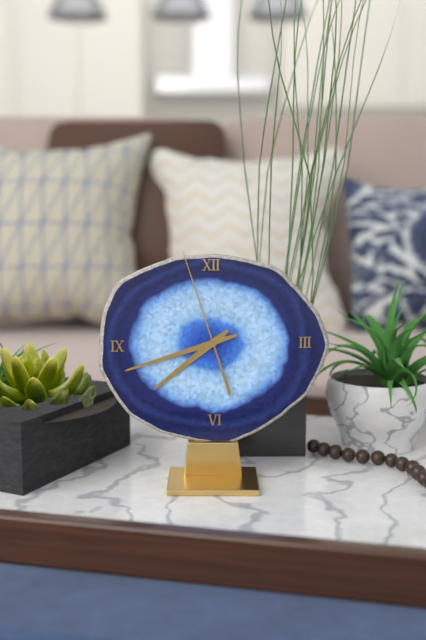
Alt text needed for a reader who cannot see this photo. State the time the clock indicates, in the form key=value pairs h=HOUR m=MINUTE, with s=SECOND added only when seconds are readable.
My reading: h=7 m=42 s=57
